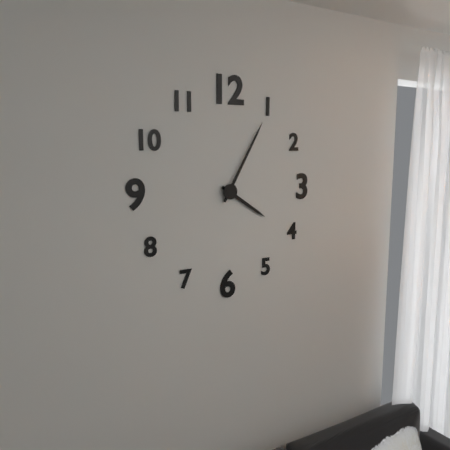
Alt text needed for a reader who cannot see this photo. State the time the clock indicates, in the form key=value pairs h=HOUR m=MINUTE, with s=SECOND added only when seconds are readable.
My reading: h=4 m=5
